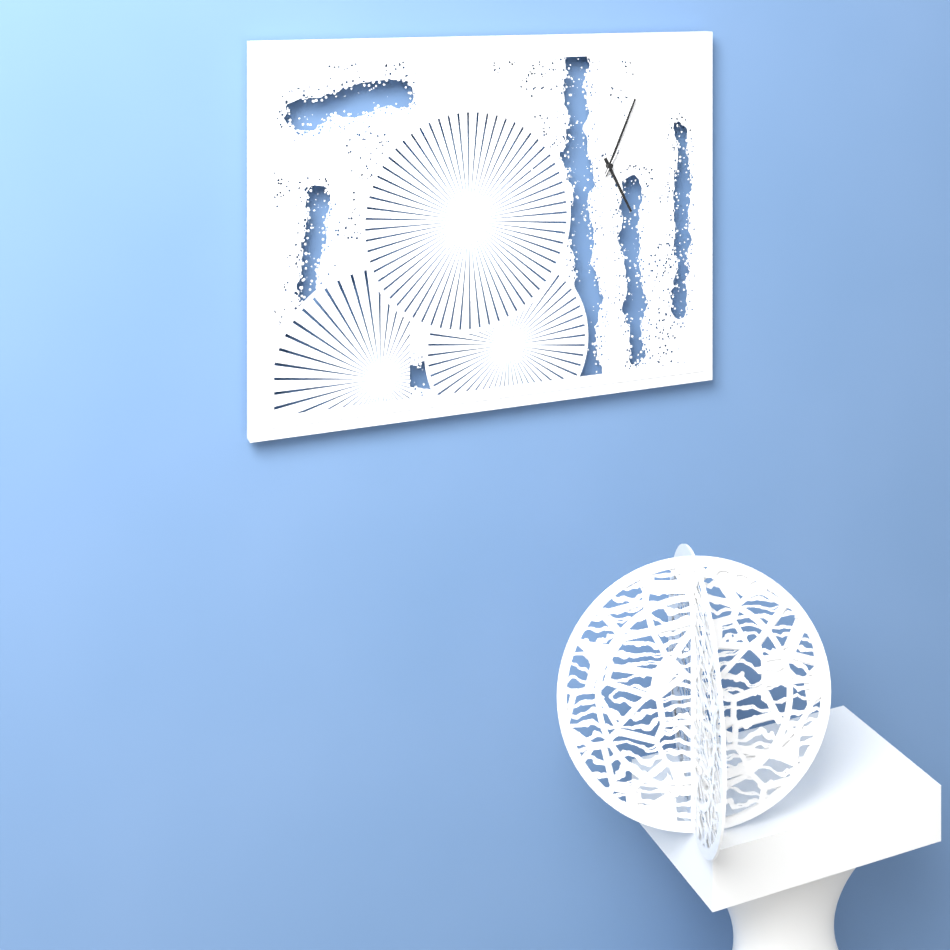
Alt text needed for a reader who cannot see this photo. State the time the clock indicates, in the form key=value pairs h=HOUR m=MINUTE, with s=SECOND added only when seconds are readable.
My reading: h=5 m=4 s=5
